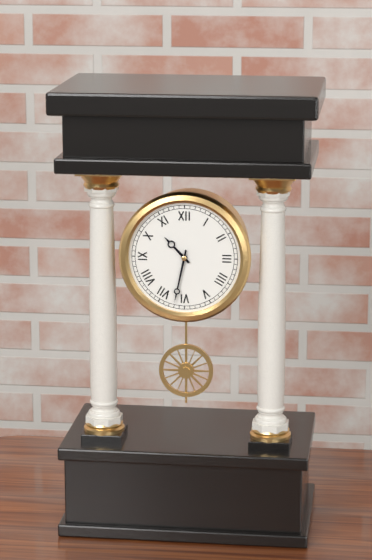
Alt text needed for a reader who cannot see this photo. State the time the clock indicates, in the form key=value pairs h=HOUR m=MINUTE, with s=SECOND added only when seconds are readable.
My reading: h=10 m=32
